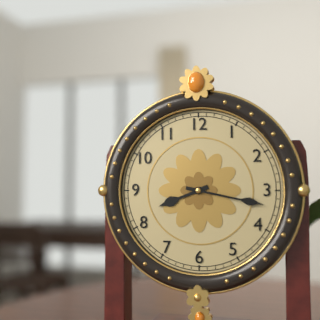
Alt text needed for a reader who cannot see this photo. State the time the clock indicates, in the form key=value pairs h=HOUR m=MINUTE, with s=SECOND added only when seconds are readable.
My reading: h=8 m=17
